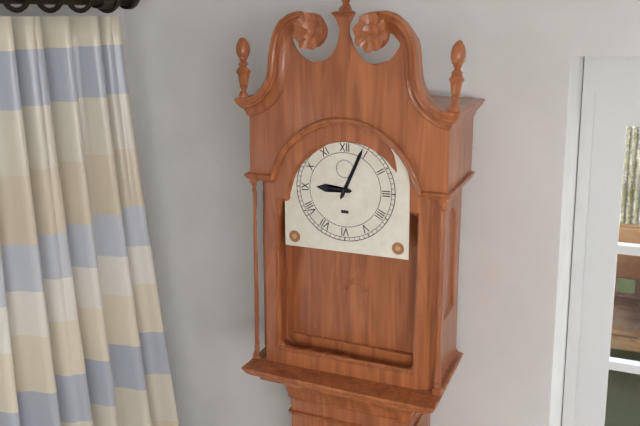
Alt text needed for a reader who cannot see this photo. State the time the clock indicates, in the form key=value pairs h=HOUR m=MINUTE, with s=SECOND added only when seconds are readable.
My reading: h=9 m=4
